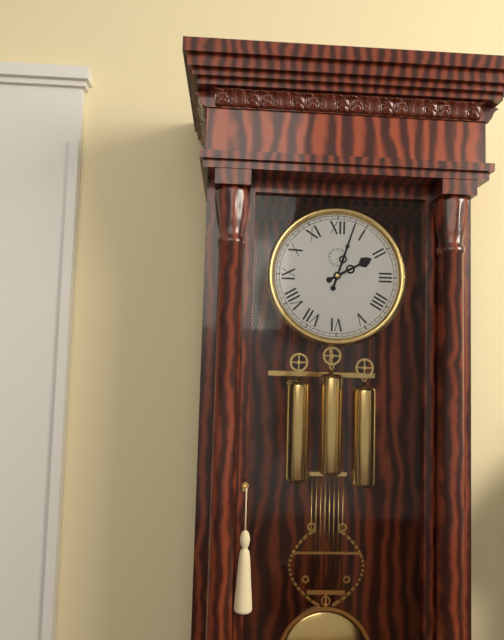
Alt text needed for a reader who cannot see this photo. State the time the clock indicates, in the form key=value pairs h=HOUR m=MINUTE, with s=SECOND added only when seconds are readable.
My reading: h=2 m=3
